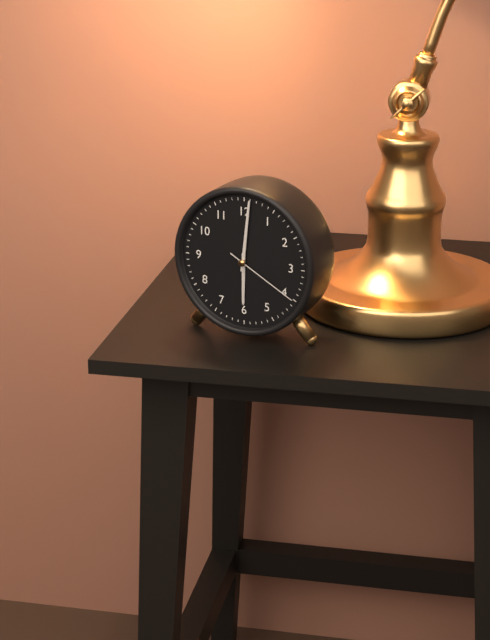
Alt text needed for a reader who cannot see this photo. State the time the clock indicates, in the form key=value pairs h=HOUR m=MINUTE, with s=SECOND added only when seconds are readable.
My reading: h=6 m=1 s=20
